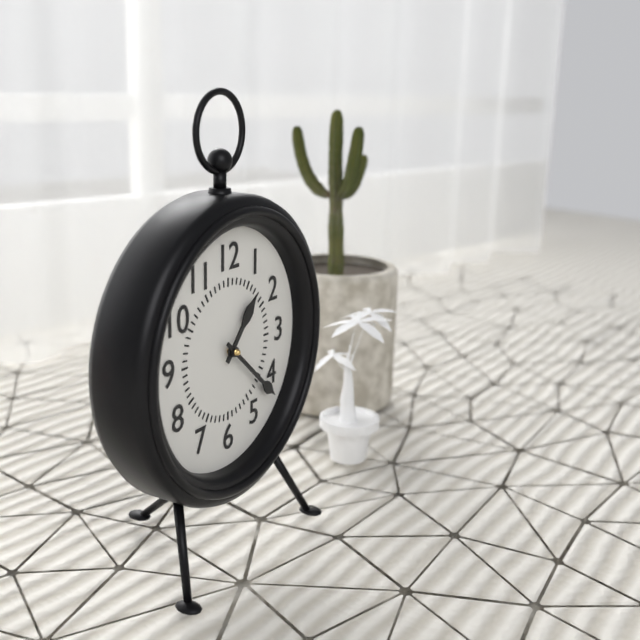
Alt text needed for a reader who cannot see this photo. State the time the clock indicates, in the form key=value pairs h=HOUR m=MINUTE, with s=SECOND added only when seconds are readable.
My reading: h=1 m=22
